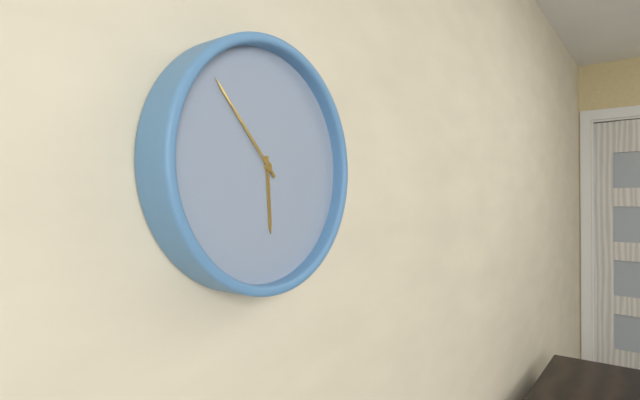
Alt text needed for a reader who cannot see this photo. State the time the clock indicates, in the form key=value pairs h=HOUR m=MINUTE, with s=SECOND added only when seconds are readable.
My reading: h=5 m=53
